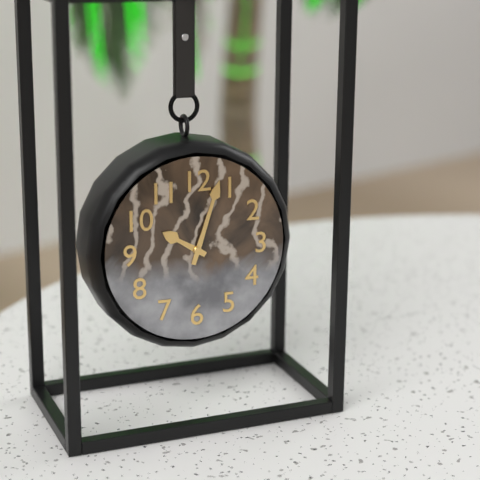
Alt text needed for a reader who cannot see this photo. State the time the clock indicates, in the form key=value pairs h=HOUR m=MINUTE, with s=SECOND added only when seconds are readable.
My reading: h=10 m=3
